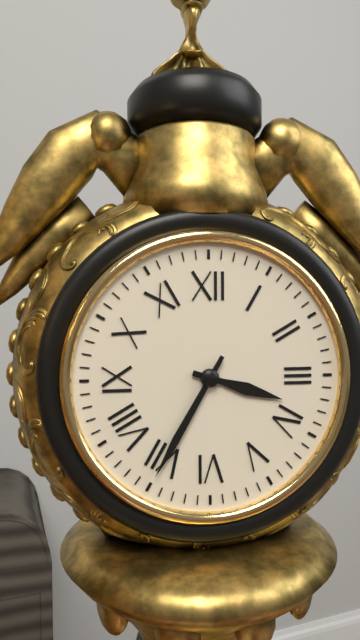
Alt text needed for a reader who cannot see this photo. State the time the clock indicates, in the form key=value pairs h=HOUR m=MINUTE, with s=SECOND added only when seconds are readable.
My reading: h=3 m=35
